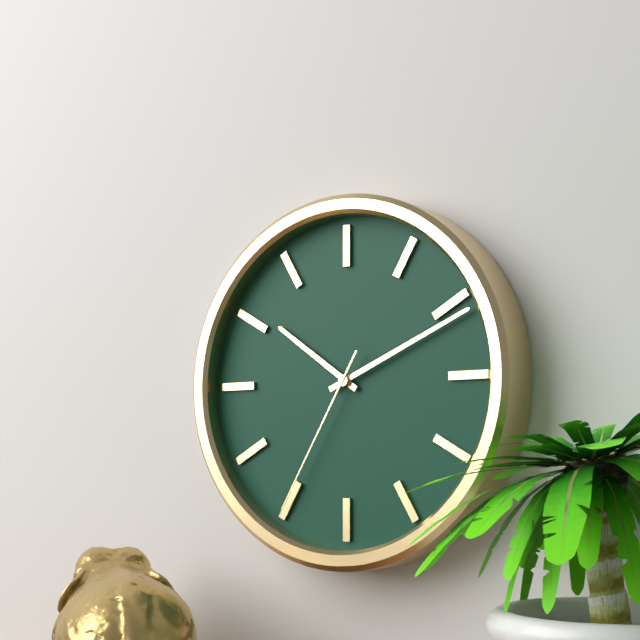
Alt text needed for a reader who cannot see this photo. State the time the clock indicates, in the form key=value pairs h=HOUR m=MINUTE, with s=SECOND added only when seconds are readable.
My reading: h=10 m=11 s=35
